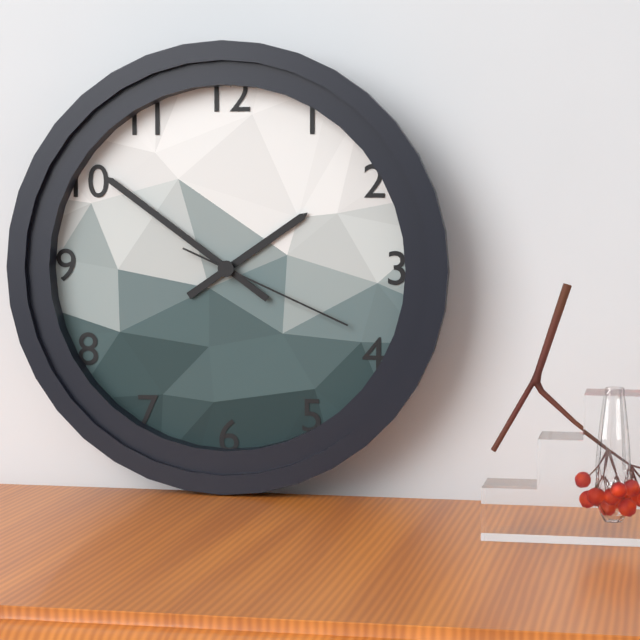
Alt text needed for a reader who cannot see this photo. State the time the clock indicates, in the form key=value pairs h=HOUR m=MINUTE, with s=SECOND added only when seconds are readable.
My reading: h=1 m=51 s=19
